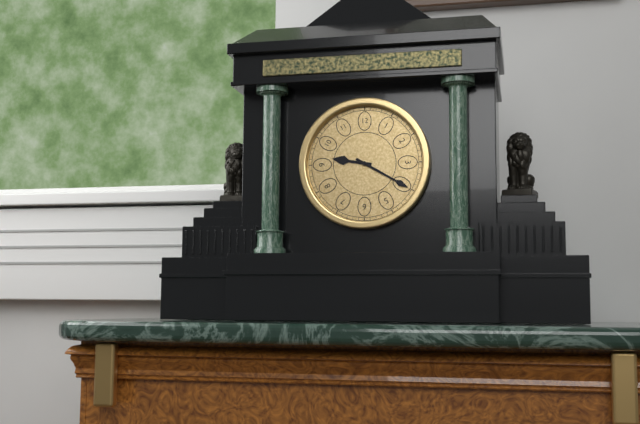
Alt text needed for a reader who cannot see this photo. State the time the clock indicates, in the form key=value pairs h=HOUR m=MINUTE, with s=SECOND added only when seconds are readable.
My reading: h=9 m=20
